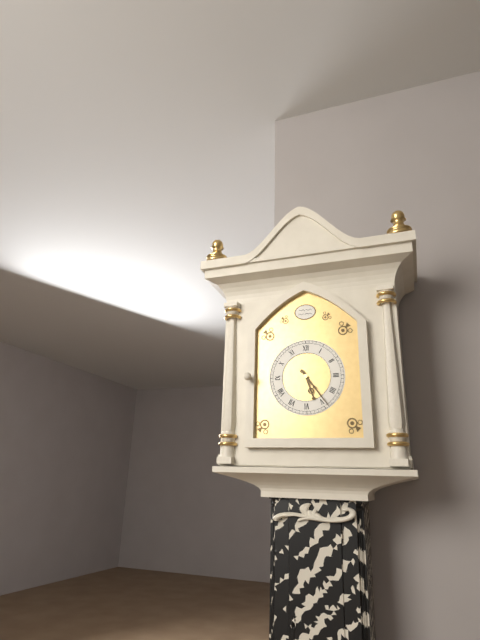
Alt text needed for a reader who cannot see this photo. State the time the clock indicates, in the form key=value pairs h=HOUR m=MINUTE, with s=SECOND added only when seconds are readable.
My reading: h=5 m=24
